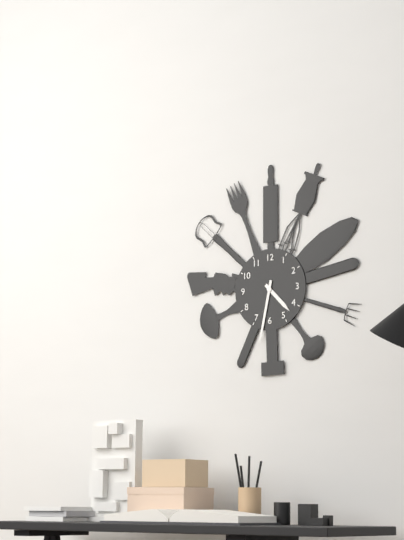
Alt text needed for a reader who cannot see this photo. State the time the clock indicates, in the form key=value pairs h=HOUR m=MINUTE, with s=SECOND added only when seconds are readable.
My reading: h=4 m=32
